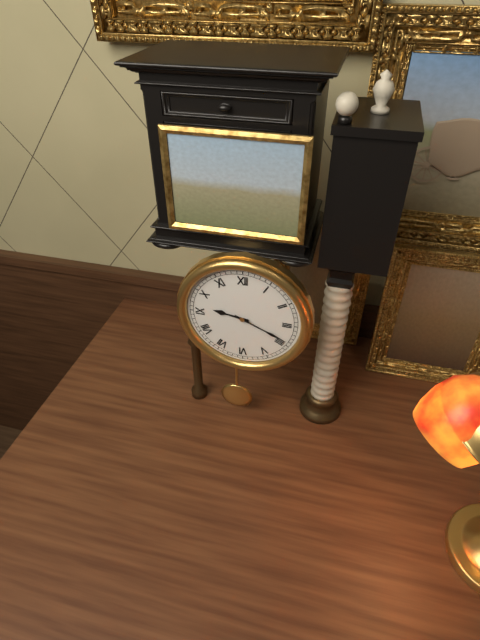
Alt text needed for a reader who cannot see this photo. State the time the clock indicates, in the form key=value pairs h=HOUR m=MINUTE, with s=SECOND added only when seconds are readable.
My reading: h=9 m=19
